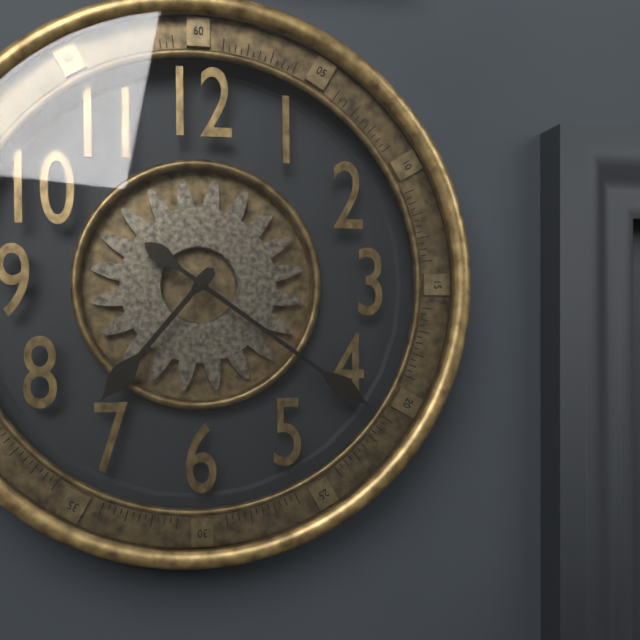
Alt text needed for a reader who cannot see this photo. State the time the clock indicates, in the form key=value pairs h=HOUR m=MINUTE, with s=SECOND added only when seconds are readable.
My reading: h=7 m=21
